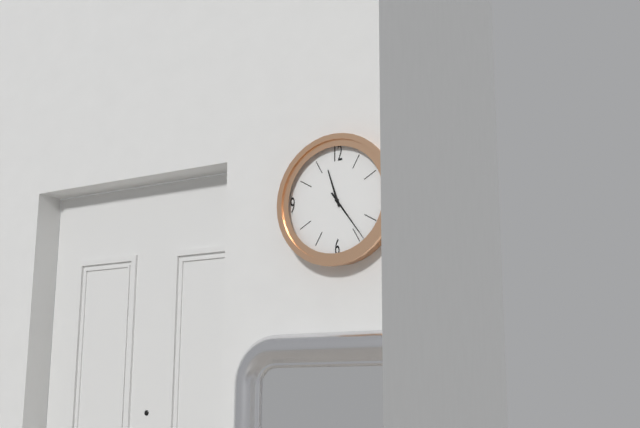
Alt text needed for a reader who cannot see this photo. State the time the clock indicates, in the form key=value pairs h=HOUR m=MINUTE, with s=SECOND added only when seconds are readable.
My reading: h=11 m=24
